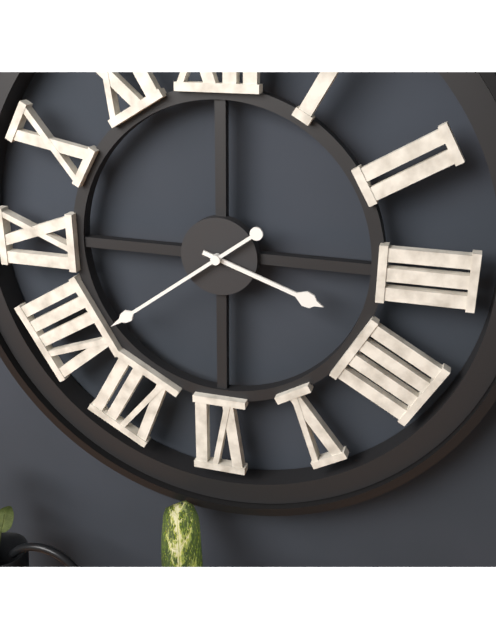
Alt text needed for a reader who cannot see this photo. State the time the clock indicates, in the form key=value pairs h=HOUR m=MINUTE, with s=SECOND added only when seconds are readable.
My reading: h=3 m=39
